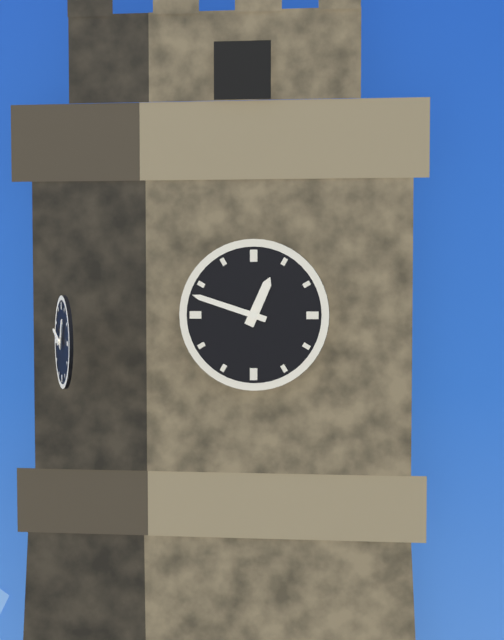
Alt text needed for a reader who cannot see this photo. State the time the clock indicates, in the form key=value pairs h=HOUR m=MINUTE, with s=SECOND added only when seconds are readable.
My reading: h=12 m=48
